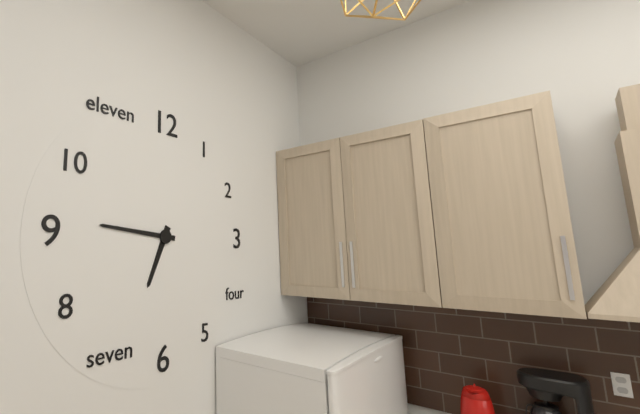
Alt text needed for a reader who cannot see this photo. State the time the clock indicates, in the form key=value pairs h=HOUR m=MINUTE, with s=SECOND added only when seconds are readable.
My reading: h=6 m=46
